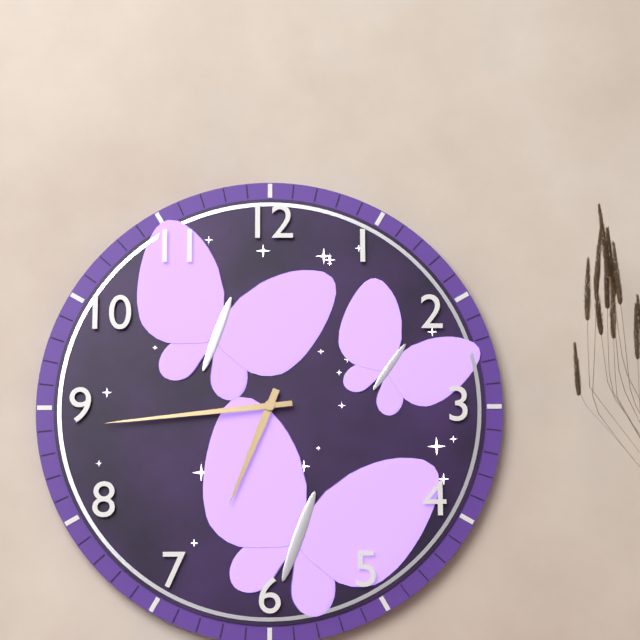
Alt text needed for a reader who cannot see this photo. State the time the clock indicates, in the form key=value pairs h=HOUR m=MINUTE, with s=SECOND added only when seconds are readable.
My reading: h=6 m=44
